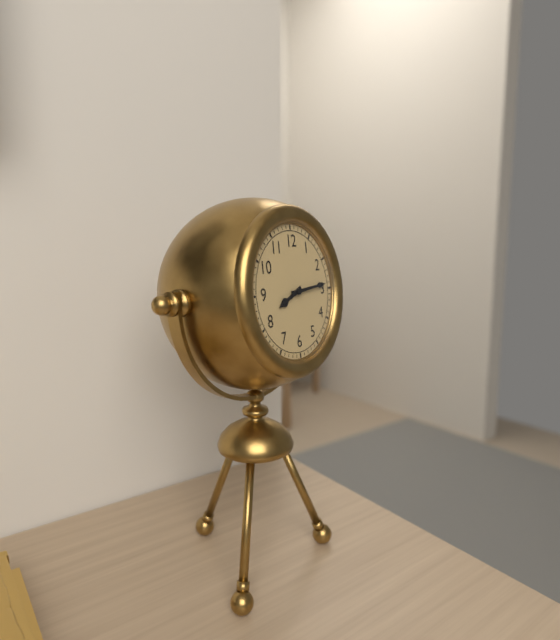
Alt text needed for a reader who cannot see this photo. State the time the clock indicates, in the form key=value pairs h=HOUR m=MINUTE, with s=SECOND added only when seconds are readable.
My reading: h=8 m=14
